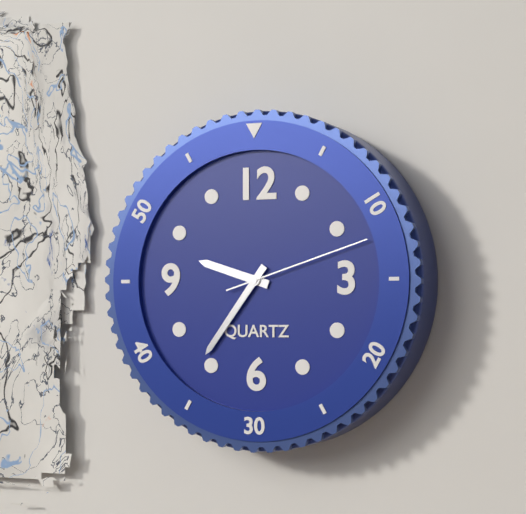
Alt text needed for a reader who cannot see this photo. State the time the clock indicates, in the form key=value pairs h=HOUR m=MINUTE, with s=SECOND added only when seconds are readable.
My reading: h=9 m=36 s=12
